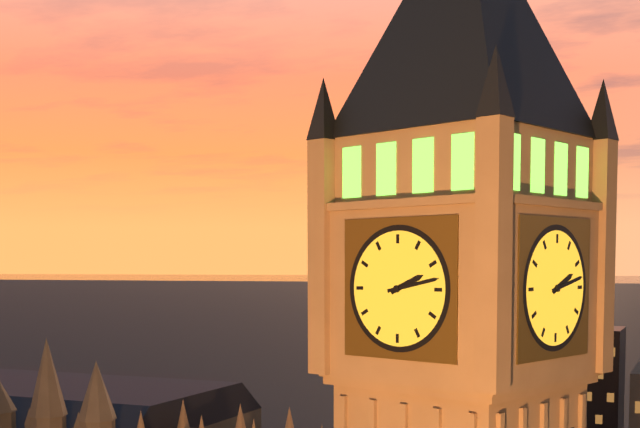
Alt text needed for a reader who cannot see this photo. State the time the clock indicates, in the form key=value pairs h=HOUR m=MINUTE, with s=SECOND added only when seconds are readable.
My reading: h=2 m=13
